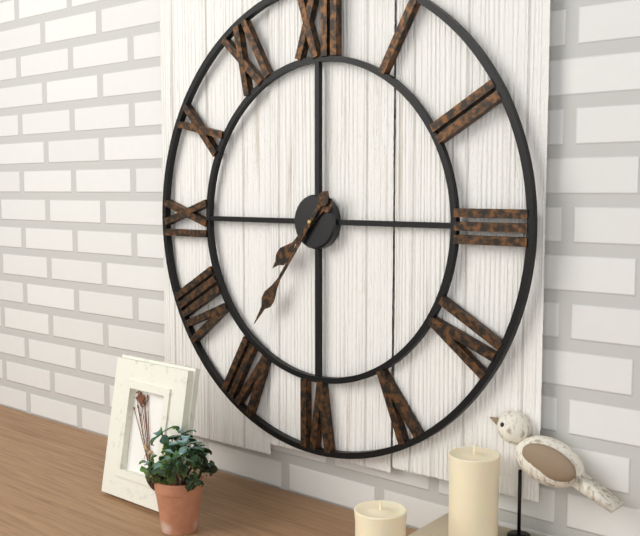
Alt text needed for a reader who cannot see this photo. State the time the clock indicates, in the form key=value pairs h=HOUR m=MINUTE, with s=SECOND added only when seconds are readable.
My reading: h=7 m=36
